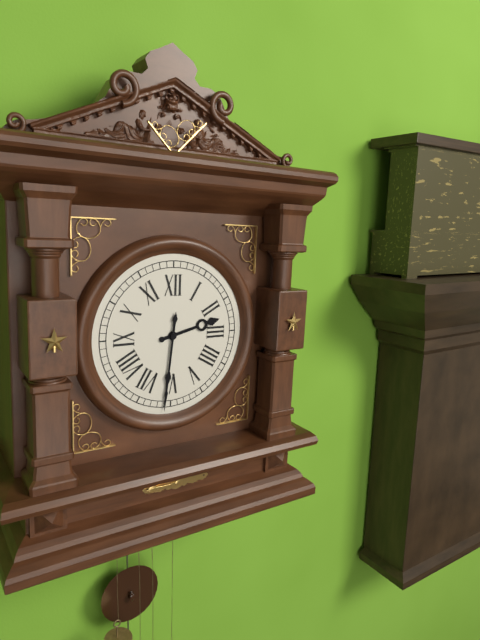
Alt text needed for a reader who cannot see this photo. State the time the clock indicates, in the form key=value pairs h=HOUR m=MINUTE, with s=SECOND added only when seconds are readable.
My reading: h=2 m=31
